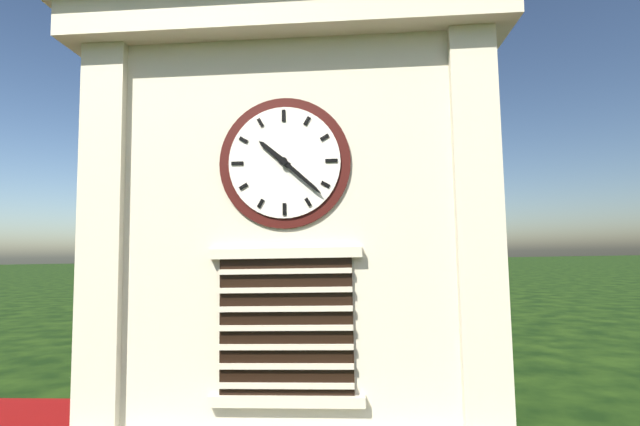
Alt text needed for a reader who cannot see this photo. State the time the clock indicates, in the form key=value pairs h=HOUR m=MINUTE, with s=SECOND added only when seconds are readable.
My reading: h=10 m=22
